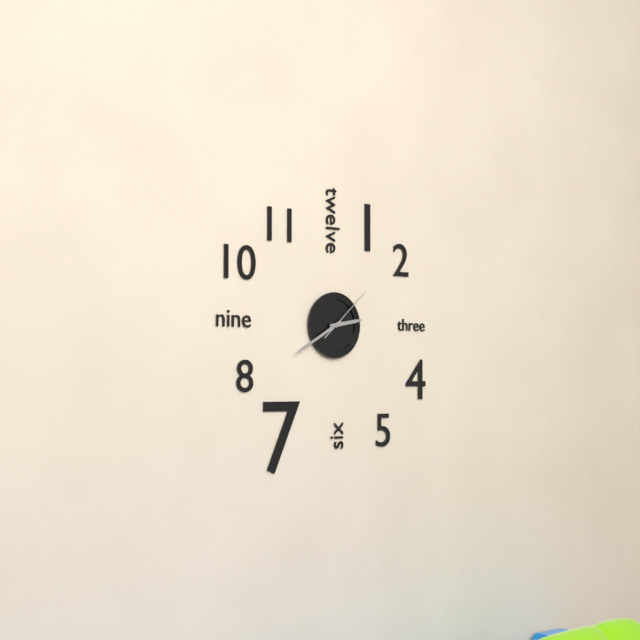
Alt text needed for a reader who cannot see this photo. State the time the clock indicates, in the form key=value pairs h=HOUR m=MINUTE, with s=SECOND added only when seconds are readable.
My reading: h=2 m=40 s=8
